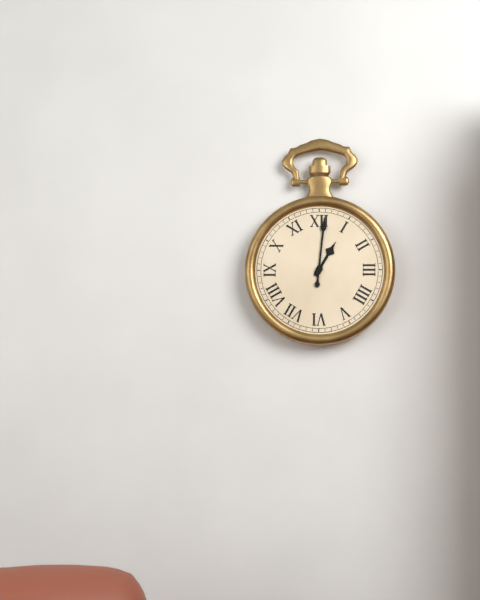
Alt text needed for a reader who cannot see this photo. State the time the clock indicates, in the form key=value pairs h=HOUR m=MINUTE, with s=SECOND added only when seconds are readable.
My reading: h=1 m=1
